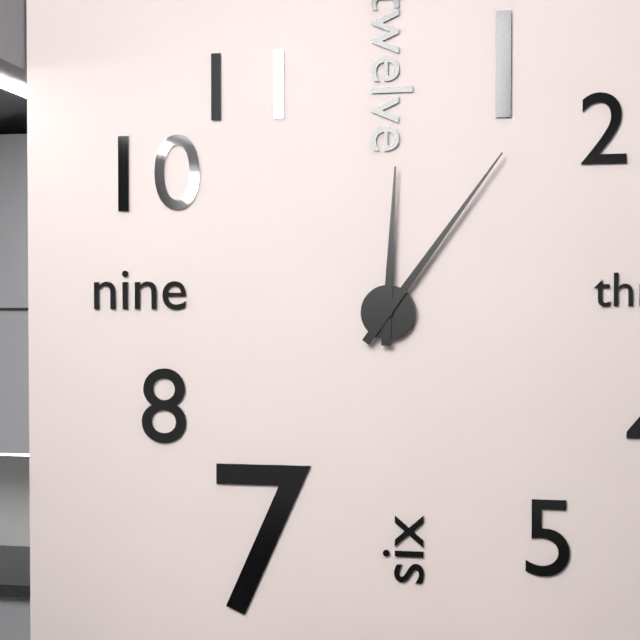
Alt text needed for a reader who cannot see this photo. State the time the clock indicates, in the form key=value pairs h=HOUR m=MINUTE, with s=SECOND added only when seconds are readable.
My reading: h=12 m=6
